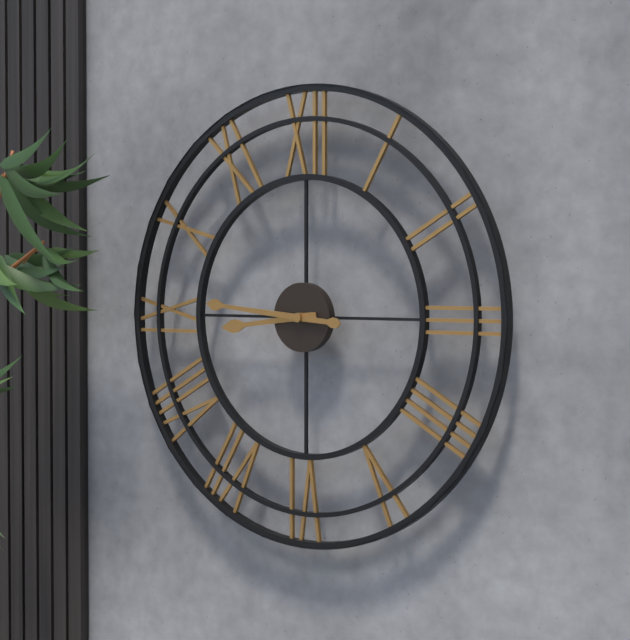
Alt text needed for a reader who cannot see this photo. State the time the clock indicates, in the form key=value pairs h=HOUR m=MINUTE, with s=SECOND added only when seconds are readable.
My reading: h=8 m=46
